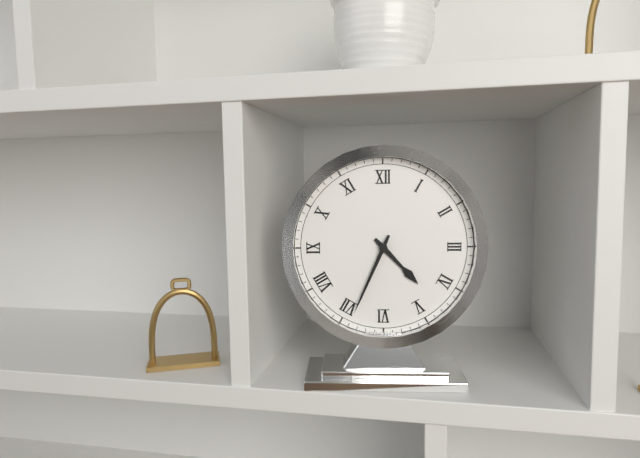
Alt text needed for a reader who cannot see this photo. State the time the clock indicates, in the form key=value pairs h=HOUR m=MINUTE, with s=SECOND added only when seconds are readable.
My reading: h=4 m=34
